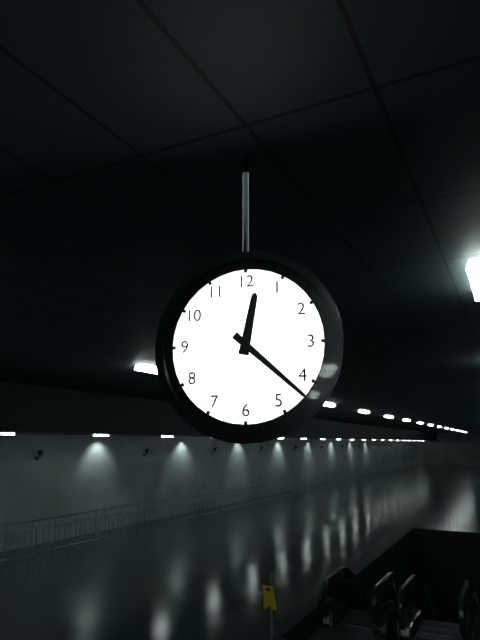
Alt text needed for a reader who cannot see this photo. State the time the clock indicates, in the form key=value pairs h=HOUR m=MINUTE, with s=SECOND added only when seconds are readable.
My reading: h=12 m=22
